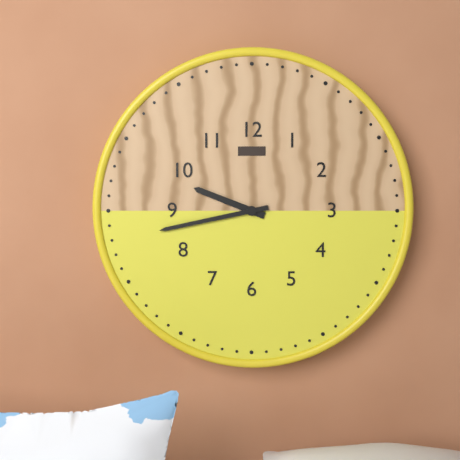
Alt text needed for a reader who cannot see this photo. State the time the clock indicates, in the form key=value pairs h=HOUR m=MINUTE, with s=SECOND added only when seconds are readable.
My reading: h=9 m=43
